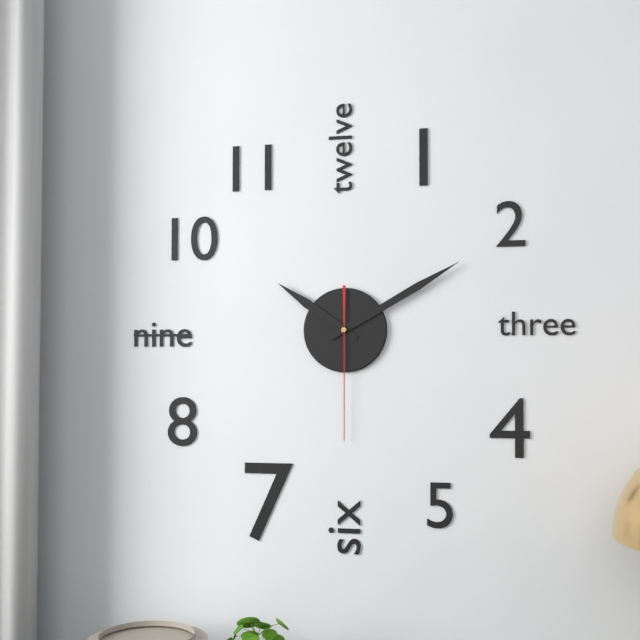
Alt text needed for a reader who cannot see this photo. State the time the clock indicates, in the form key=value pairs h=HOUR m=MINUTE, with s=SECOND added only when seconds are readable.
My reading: h=10 m=10 s=30
